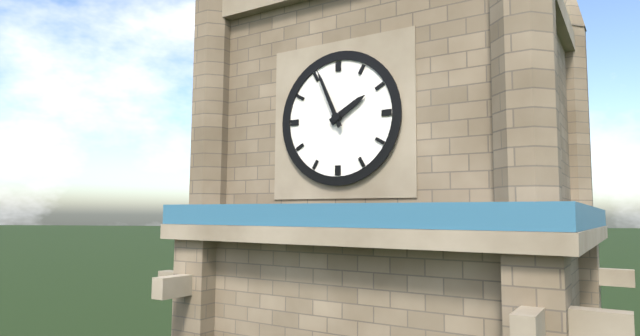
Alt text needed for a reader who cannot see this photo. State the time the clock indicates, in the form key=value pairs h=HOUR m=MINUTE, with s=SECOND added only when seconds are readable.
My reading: h=1 m=56
